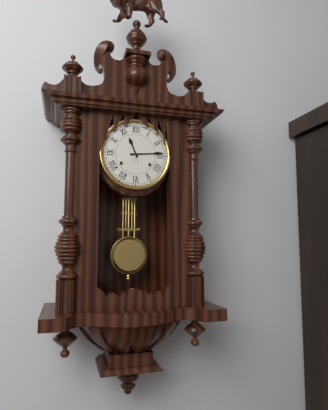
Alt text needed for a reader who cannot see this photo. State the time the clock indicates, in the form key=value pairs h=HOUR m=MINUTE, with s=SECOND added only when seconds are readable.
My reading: h=11 m=14
